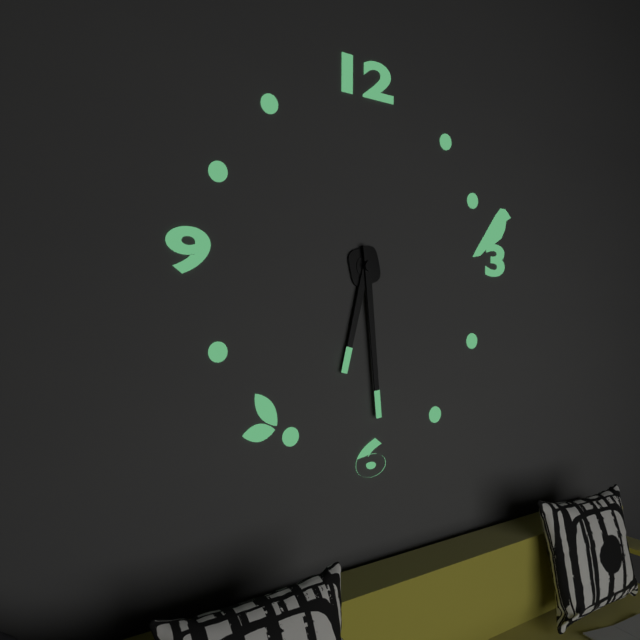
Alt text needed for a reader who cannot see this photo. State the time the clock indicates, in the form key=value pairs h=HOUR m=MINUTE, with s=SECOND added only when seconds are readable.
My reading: h=6 m=29
